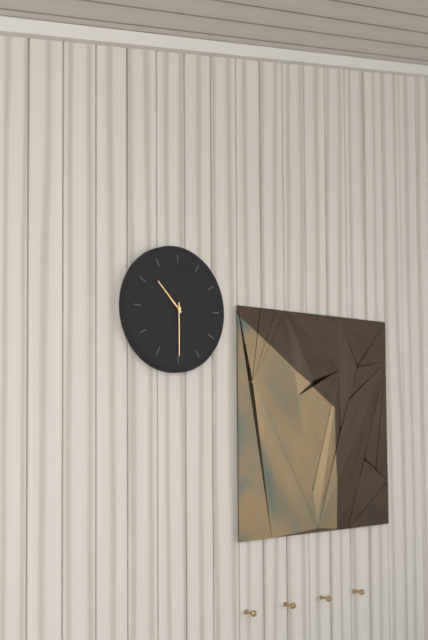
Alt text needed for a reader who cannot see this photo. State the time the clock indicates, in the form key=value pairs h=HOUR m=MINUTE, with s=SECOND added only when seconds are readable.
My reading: h=10 m=30
